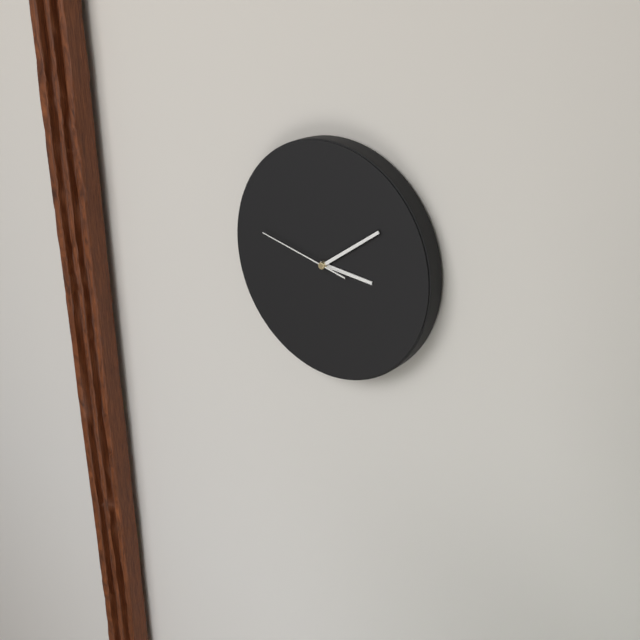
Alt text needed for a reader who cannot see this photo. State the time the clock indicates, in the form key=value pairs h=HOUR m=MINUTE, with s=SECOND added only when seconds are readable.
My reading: h=3 m=9 s=47
